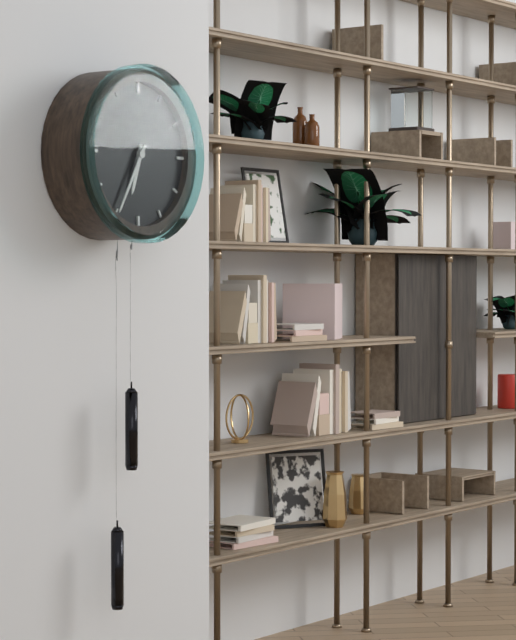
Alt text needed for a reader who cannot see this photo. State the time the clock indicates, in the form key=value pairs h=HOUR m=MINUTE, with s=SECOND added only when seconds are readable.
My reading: h=6 m=35
